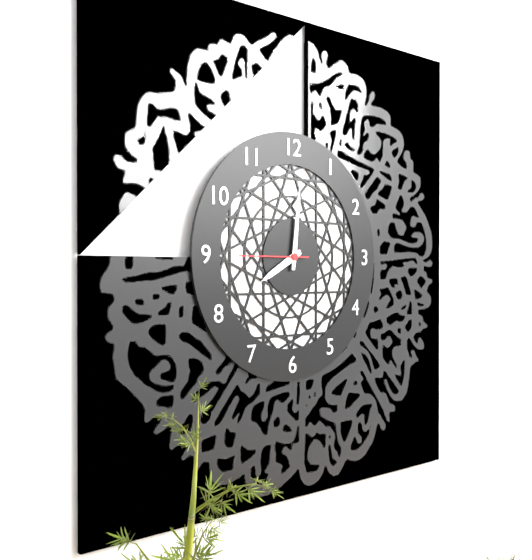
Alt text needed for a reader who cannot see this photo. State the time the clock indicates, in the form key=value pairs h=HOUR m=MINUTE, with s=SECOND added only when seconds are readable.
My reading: h=8 m=1 s=45
